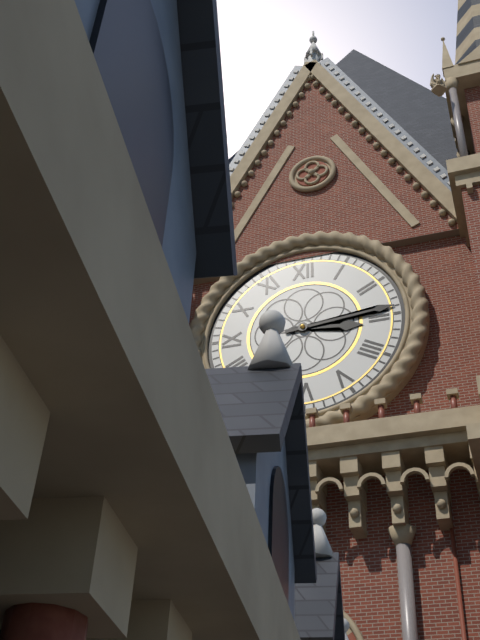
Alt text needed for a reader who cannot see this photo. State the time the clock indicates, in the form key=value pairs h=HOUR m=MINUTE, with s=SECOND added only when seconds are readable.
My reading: h=3 m=14
